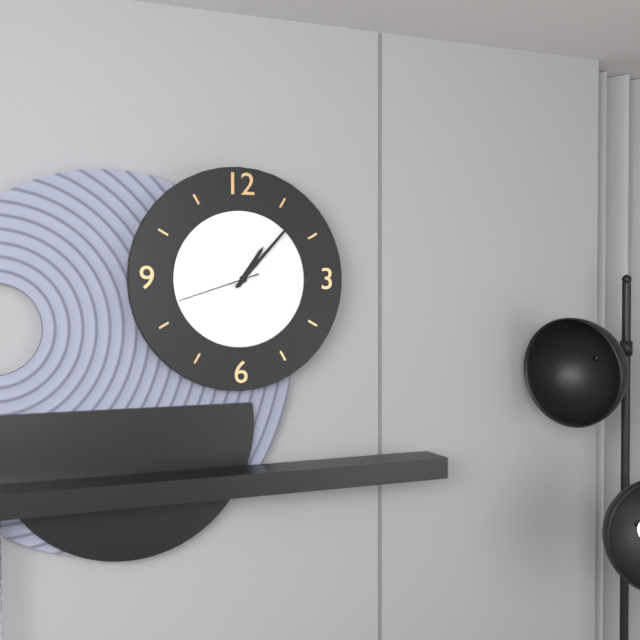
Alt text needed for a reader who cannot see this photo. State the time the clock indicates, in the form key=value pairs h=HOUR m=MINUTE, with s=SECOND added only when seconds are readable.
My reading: h=1 m=7 s=42
